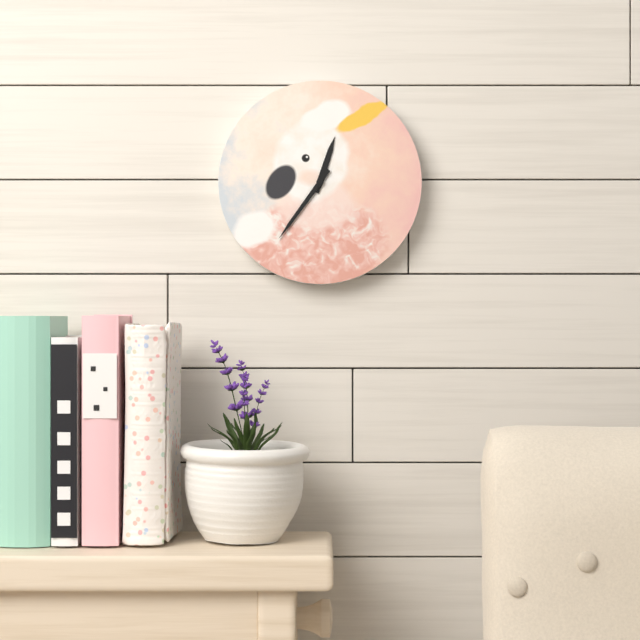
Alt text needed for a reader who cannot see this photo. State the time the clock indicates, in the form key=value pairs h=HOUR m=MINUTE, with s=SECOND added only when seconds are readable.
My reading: h=12 m=36
